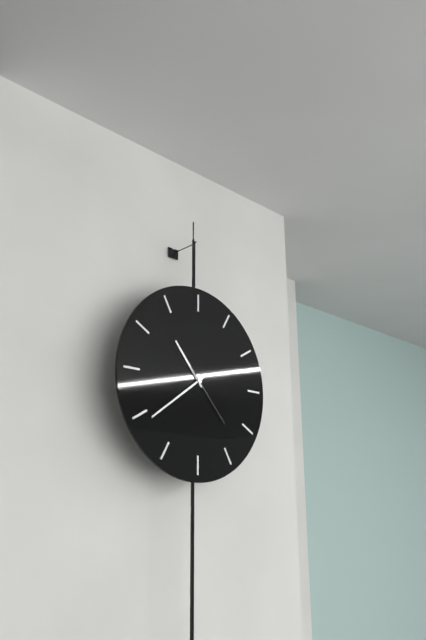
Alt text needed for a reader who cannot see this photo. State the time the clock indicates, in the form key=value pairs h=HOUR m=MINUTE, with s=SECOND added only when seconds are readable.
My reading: h=10 m=39 s=23
